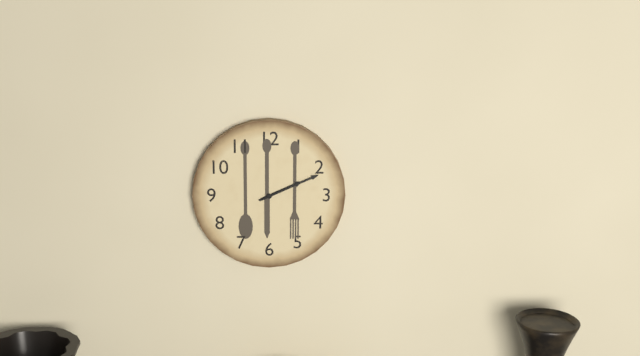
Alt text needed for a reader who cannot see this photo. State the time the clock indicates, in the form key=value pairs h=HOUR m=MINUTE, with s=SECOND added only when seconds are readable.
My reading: h=2 m=11
